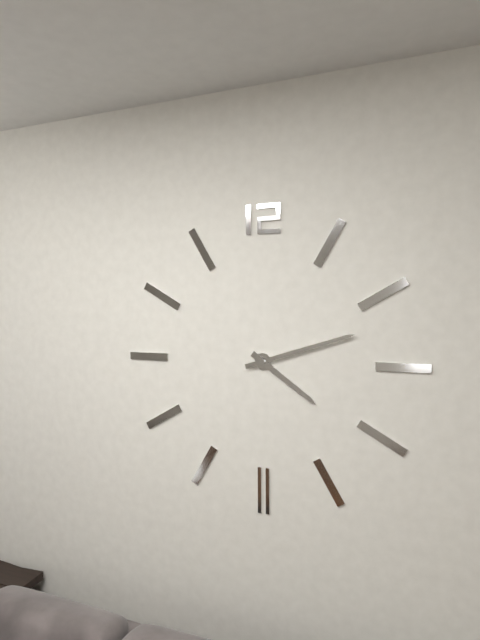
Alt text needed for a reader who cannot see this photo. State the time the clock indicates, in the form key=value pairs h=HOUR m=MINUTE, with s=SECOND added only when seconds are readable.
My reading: h=4 m=12
